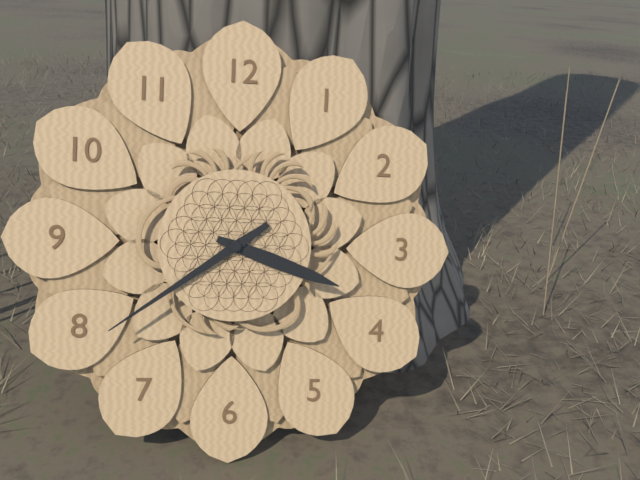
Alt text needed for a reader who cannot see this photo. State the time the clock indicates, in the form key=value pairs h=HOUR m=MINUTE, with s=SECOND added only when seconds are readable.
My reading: h=3 m=39
